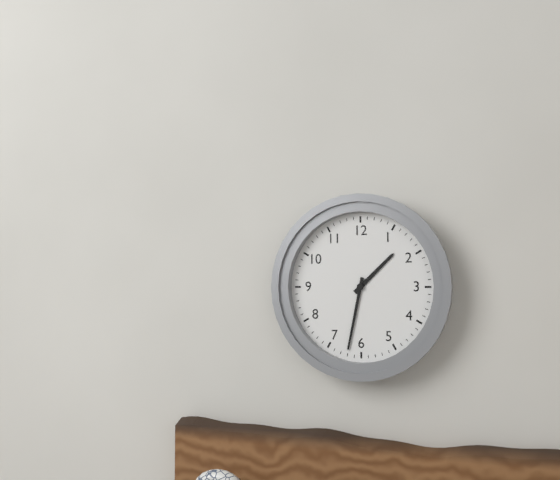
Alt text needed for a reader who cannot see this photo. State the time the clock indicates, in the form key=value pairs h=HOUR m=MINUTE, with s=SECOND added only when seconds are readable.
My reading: h=1 m=32
